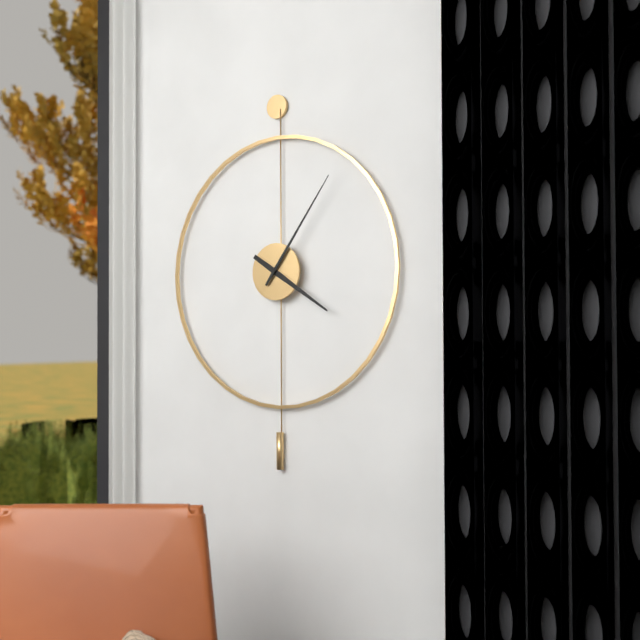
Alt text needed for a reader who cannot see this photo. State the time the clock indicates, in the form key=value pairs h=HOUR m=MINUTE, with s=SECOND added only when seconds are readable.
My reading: h=4 m=6
